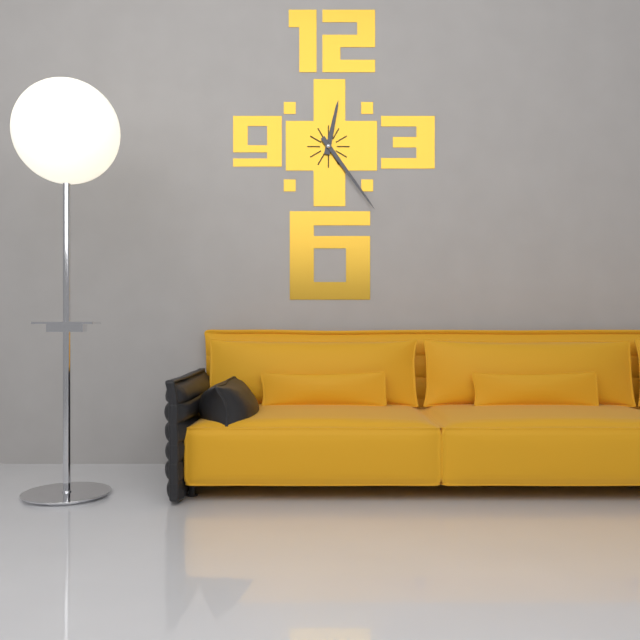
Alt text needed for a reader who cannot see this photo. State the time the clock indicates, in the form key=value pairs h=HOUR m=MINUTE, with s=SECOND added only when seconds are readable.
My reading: h=12 m=24
